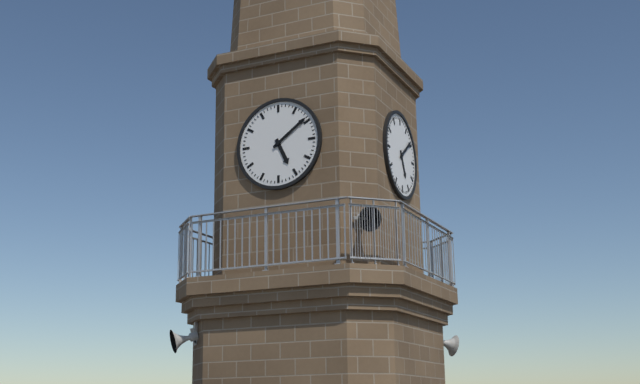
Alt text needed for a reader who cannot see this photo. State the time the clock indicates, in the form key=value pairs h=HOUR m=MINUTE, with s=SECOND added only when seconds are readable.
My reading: h=5 m=9
